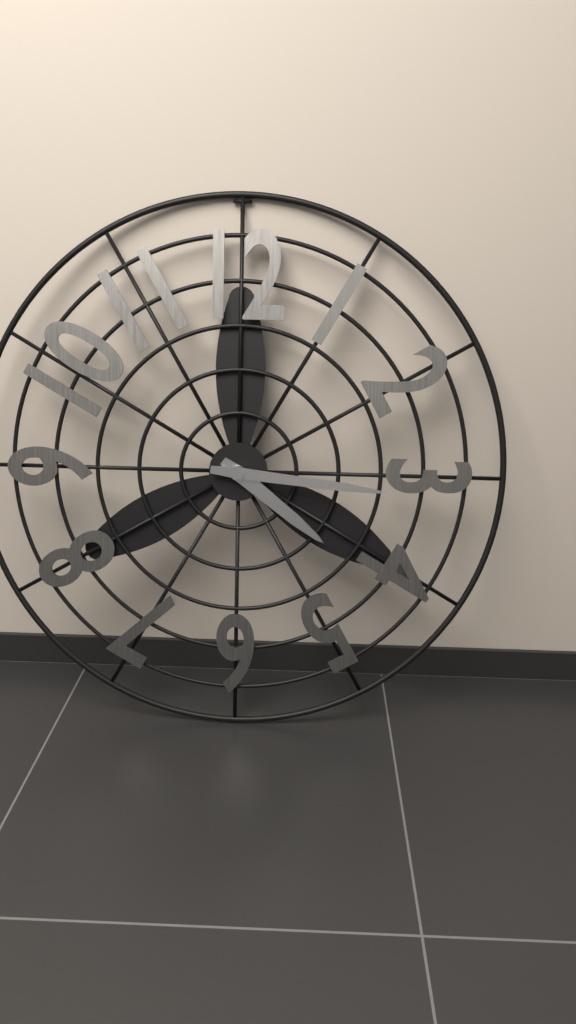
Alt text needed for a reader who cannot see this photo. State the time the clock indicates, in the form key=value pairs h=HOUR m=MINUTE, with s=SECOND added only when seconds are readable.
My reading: h=4 m=16
